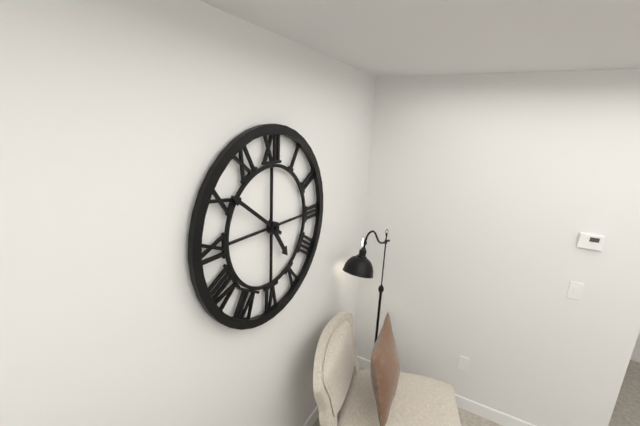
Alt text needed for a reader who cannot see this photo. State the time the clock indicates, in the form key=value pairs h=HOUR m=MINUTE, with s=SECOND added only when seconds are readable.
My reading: h=4 m=51
